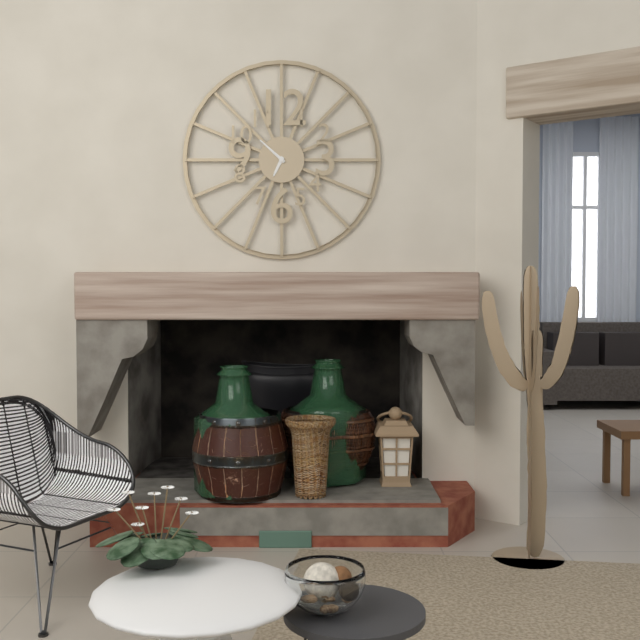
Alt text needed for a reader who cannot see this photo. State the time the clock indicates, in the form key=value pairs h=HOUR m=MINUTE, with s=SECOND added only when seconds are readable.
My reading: h=6 m=52
